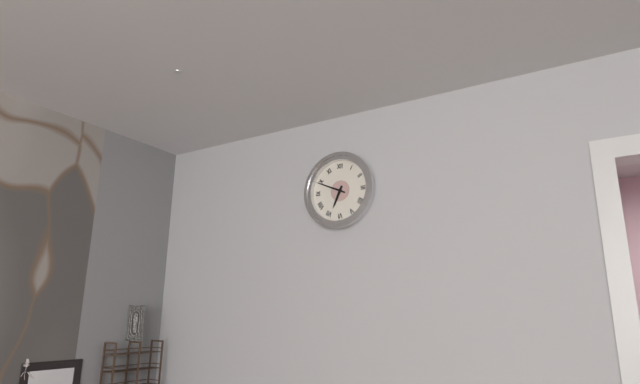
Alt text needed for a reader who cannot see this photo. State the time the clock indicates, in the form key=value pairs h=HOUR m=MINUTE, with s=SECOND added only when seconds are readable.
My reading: h=6 m=49
